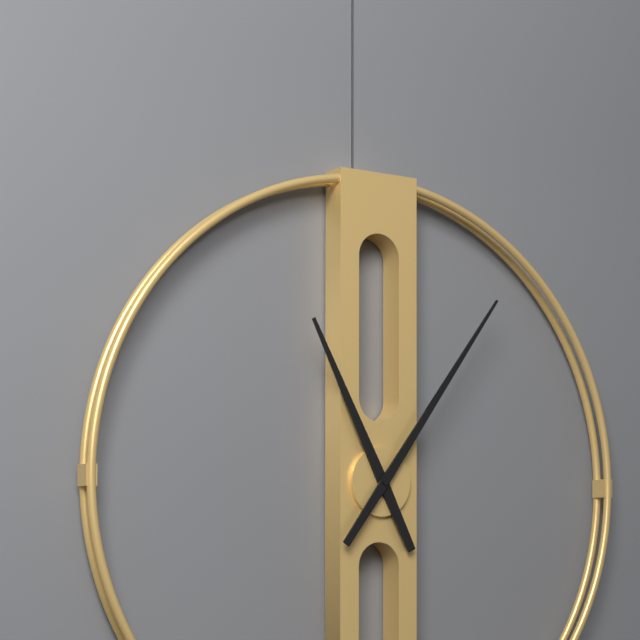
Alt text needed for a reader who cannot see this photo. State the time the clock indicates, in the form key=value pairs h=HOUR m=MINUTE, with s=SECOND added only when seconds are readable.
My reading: h=11 m=6
